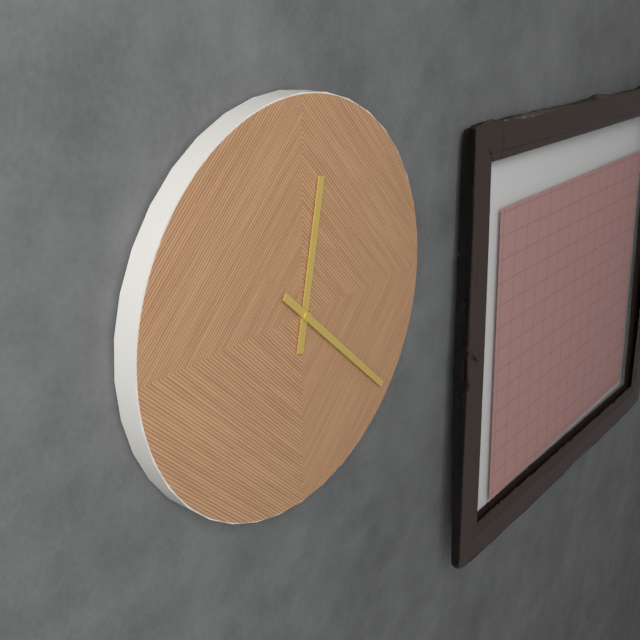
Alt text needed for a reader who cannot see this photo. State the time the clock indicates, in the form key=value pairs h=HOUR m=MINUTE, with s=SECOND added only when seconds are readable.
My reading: h=12 m=22
